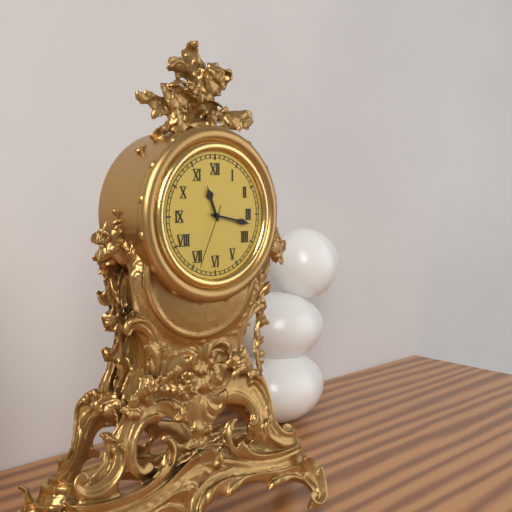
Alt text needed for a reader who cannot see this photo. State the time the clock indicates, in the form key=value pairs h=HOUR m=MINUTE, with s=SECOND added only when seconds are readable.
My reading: h=11 m=17 s=34
